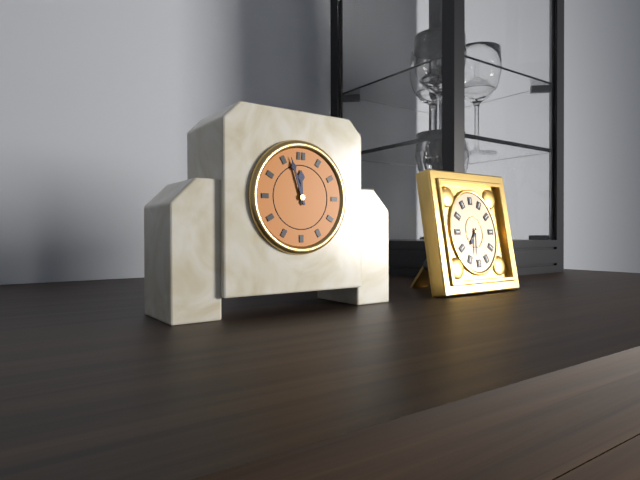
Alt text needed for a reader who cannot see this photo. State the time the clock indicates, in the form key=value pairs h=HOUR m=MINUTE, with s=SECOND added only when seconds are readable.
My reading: h=11 m=57
